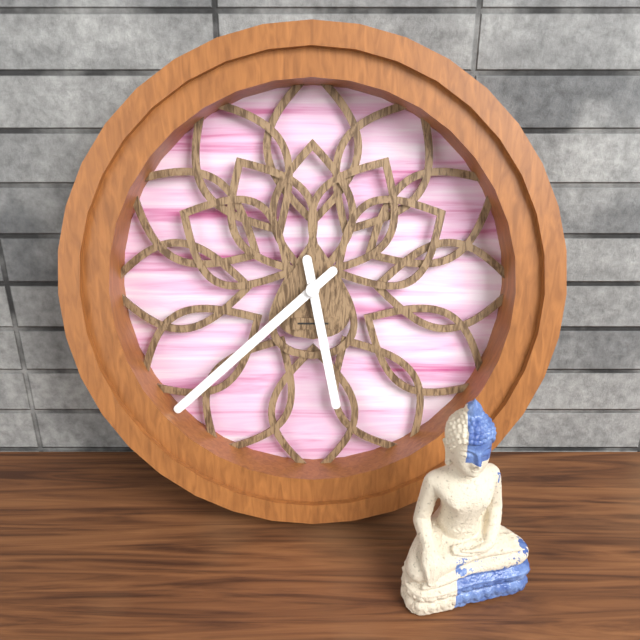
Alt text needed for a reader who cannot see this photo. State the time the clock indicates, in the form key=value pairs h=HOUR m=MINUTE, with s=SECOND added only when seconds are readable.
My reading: h=5 m=38
